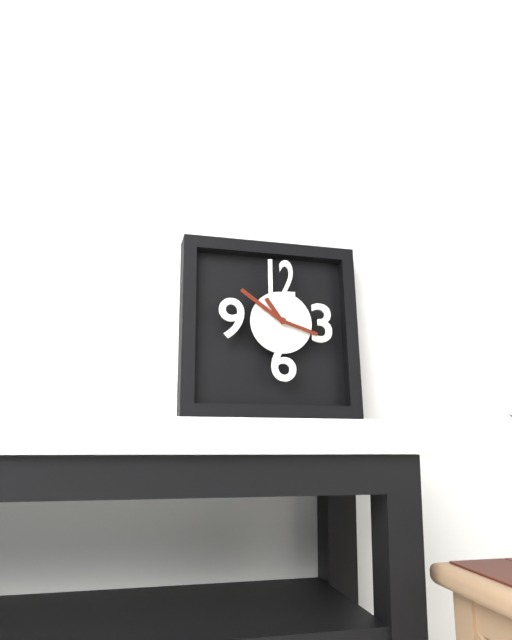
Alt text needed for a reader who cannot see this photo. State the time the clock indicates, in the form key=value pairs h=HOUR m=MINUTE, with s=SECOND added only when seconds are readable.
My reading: h=10 m=51
